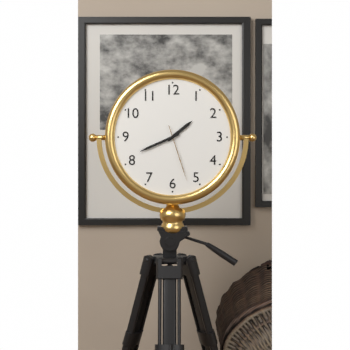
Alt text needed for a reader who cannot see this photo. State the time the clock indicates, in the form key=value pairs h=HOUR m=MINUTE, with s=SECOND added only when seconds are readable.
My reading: h=1 m=41 s=27
